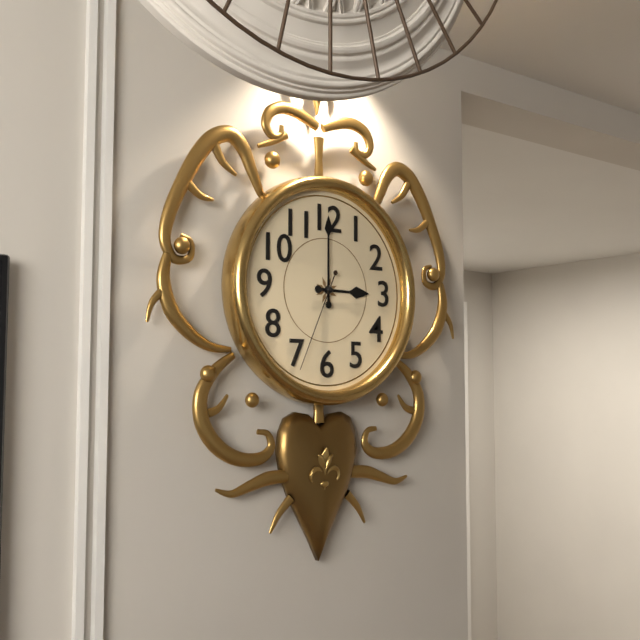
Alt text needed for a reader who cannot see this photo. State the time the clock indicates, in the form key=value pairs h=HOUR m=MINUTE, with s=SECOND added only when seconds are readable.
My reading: h=3 m=0 s=34
